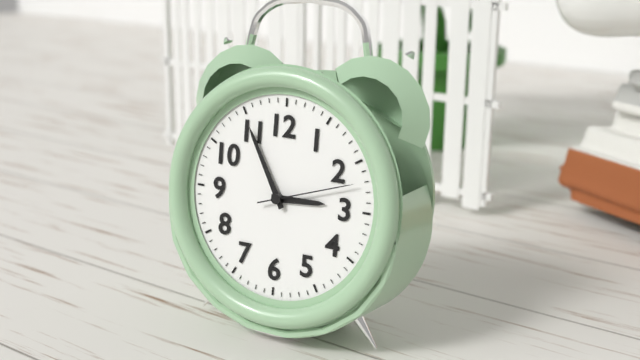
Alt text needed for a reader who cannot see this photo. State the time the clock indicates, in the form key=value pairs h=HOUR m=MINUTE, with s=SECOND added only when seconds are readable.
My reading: h=2 m=55 s=12
